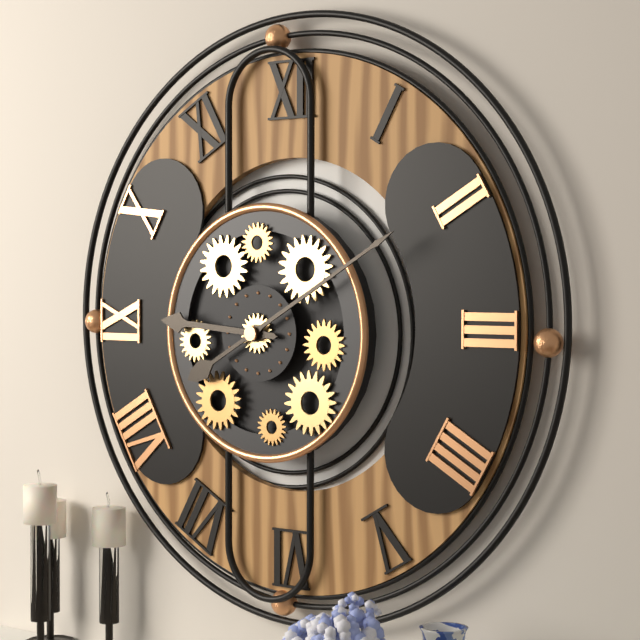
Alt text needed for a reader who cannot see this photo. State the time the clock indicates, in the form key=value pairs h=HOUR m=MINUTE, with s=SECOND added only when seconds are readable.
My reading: h=9 m=10
